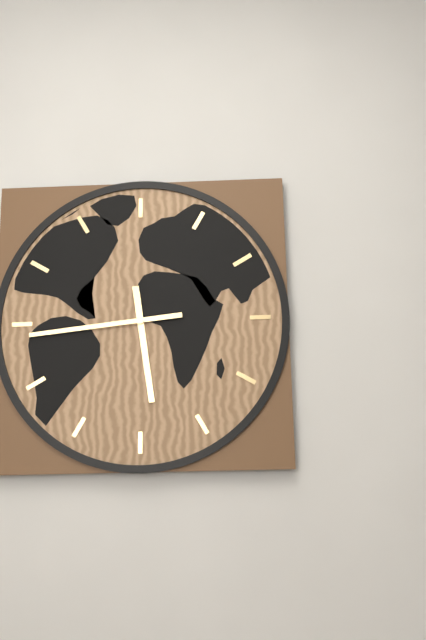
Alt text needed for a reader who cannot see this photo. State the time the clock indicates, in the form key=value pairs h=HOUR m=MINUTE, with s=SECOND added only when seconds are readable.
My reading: h=5 m=44
